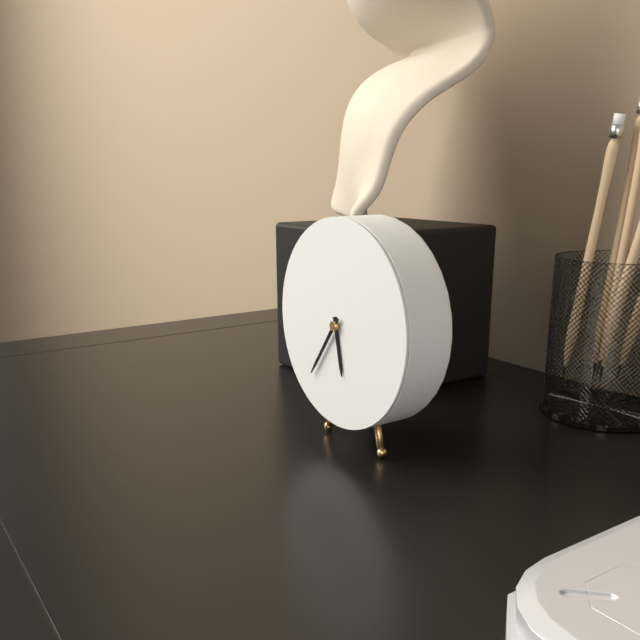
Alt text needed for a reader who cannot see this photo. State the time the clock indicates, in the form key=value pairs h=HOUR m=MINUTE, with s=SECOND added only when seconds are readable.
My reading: h=5 m=36
